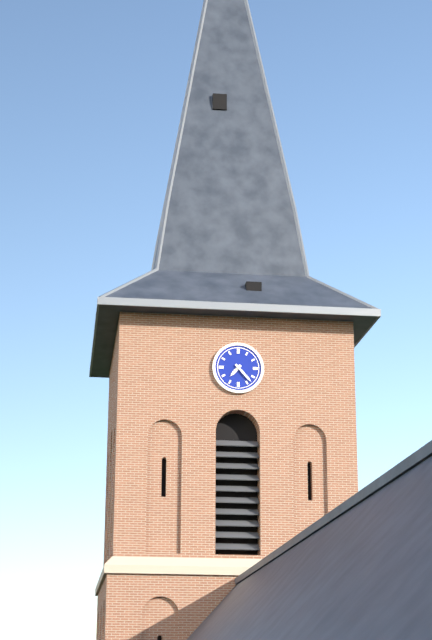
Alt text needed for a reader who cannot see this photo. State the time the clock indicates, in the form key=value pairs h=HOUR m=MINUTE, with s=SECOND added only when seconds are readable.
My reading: h=7 m=23
